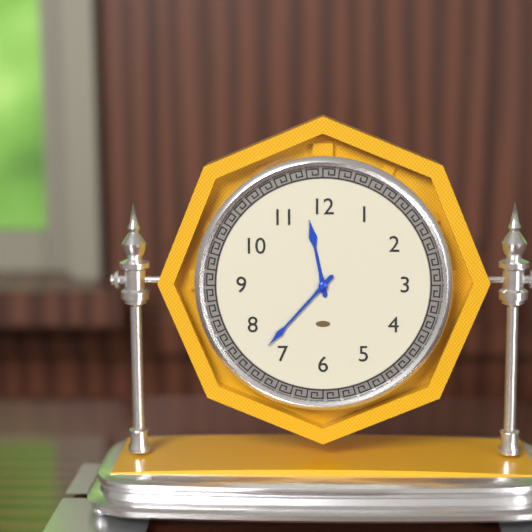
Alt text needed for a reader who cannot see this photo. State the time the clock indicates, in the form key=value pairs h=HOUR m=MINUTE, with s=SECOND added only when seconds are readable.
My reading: h=11 m=37
